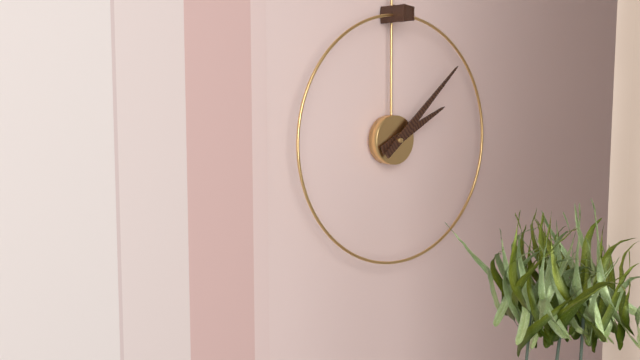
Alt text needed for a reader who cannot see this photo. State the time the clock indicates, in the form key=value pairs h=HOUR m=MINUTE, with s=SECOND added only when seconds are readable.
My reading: h=2 m=8
